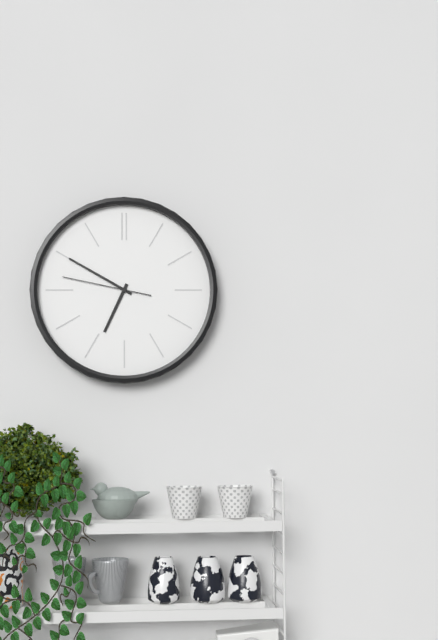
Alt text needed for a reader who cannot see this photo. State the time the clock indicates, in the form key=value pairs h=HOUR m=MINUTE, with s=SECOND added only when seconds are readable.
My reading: h=6 m=50 s=47
